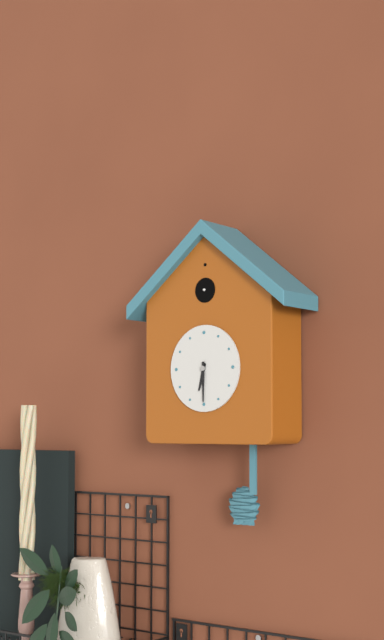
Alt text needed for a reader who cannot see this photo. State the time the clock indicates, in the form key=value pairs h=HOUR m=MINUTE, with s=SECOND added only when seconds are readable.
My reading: h=6 m=30
